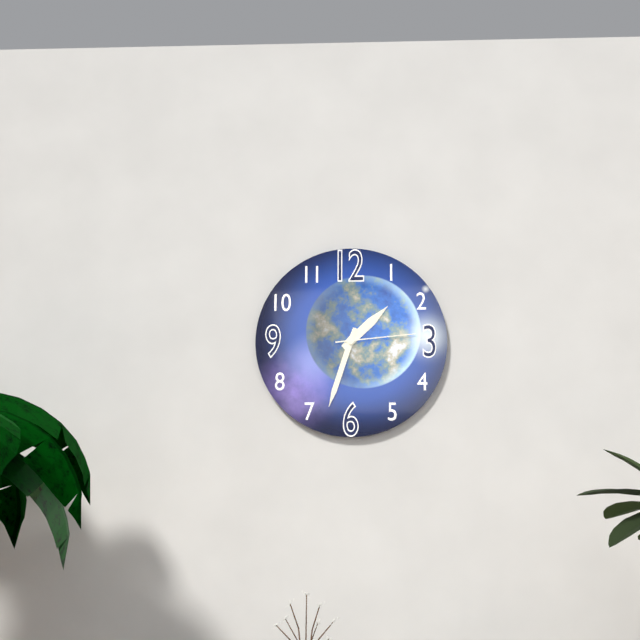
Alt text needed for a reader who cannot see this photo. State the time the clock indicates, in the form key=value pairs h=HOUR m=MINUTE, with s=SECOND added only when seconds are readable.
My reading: h=1 m=33 s=14
